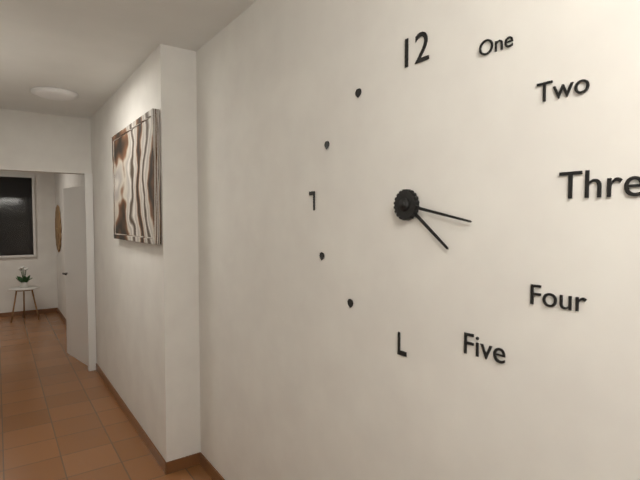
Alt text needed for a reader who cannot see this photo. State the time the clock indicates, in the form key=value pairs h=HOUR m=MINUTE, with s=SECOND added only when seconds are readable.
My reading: h=4 m=17
